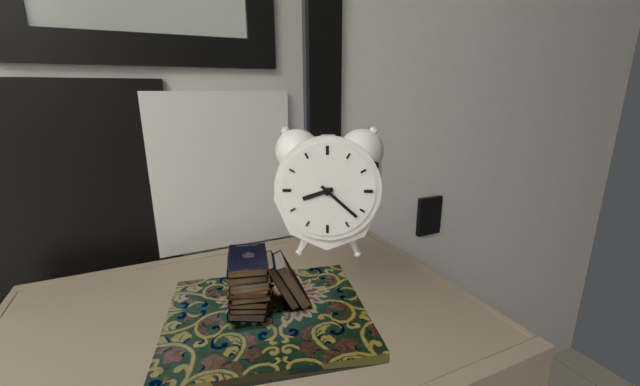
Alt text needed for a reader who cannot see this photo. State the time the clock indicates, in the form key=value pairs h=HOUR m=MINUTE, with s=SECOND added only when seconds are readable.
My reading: h=8 m=22
